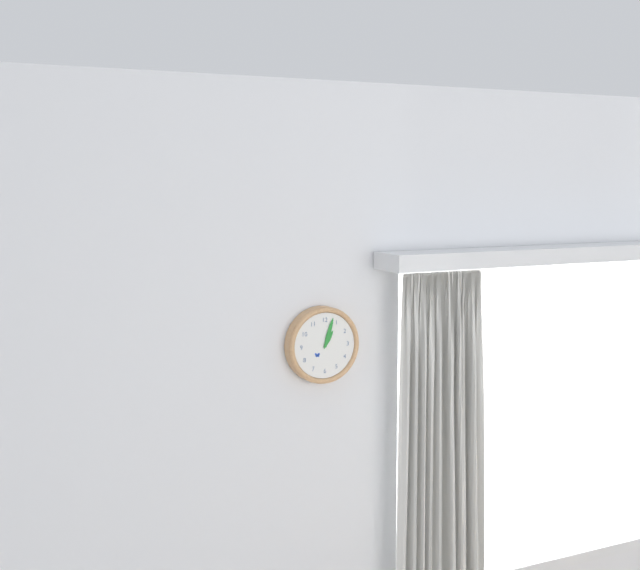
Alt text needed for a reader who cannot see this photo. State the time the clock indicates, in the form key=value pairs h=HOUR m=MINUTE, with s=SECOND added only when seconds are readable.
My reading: h=1 m=3
